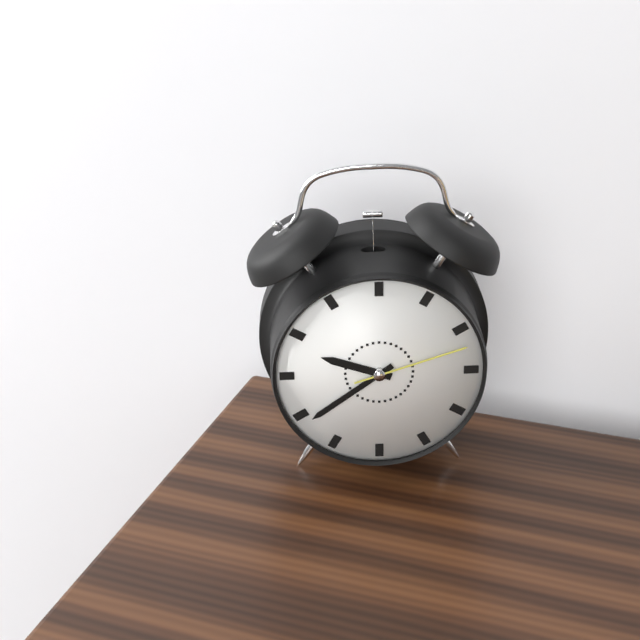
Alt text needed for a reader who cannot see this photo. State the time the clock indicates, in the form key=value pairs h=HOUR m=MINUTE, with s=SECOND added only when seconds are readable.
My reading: h=9 m=39 s=12
